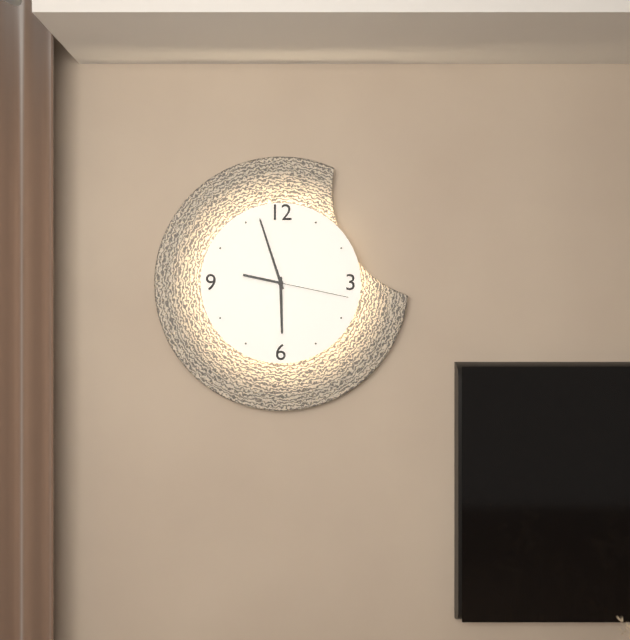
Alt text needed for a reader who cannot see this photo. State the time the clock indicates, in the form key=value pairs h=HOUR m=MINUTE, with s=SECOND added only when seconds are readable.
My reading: h=5 m=57 s=17
